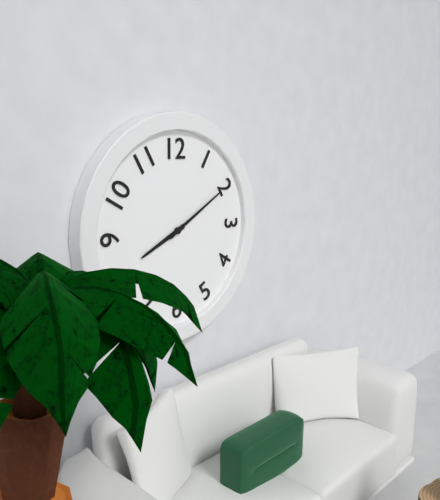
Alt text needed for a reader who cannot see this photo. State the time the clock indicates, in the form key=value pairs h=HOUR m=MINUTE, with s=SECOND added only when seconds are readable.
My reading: h=8 m=10
